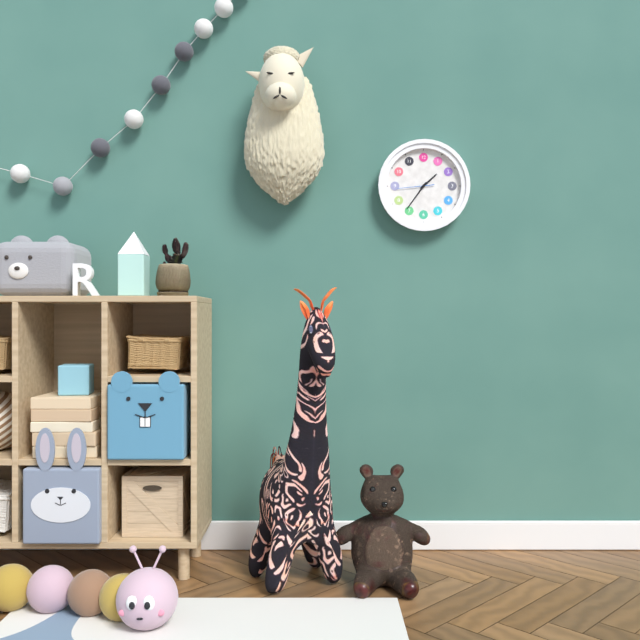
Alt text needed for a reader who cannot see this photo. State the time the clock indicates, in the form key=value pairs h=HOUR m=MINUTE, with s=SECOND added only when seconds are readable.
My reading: h=1 m=36
